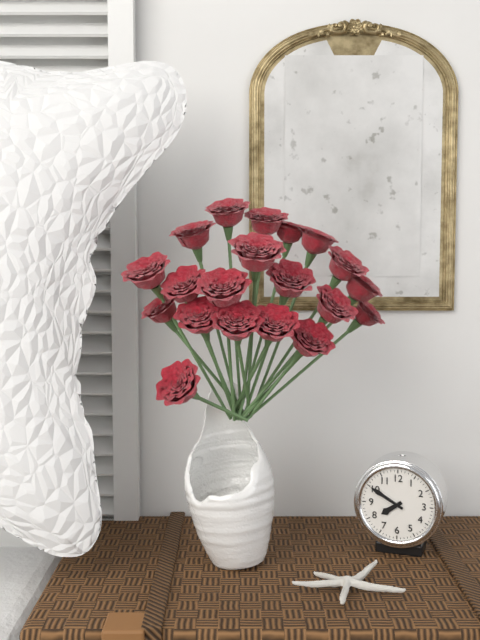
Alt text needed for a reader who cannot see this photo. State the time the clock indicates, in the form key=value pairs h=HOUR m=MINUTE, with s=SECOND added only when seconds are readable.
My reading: h=7 m=50
